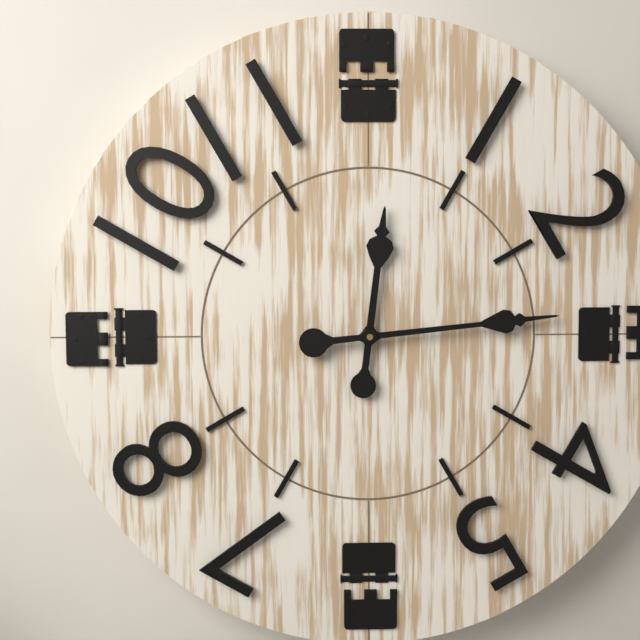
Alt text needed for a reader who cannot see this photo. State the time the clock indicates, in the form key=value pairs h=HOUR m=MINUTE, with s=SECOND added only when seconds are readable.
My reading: h=12 m=14
